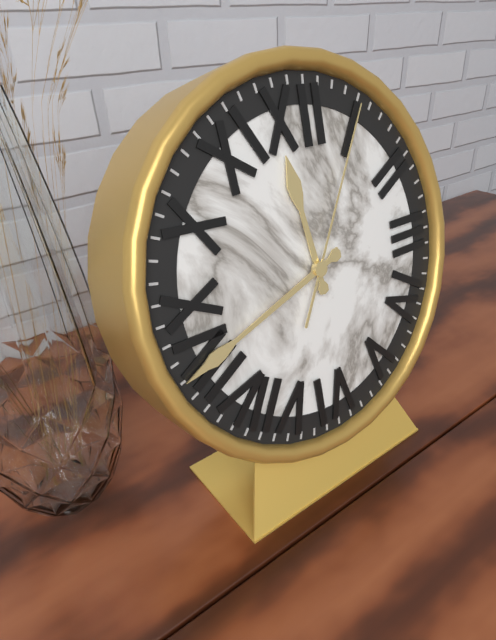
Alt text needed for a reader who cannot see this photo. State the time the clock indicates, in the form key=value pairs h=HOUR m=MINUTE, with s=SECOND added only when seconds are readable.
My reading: h=11 m=42 s=5
